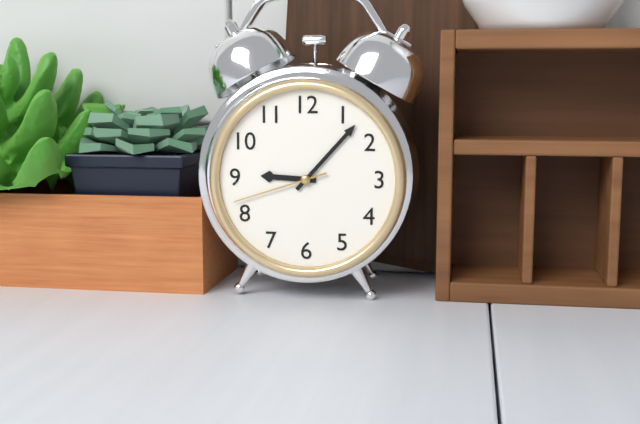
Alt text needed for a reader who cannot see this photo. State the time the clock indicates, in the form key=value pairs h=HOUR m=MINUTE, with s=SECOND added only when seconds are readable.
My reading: h=9 m=7 s=42
